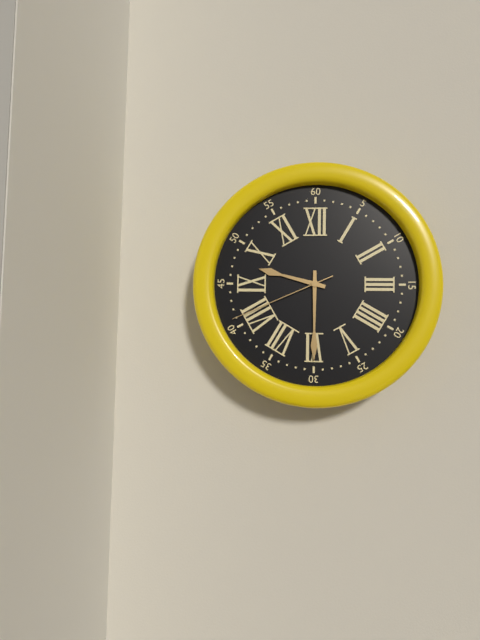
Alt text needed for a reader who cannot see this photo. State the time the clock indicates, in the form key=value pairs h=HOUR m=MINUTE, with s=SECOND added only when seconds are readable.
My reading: h=9 m=30 s=41
